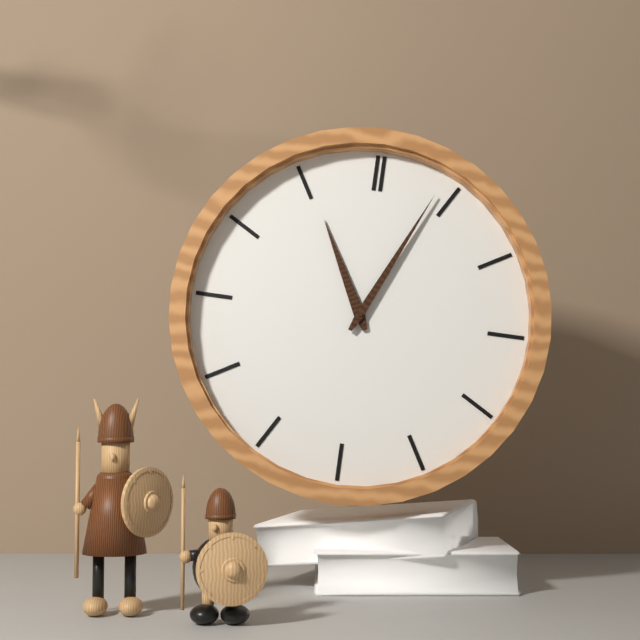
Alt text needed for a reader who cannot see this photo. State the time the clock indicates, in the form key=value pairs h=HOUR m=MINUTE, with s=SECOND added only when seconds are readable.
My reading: h=11 m=4
